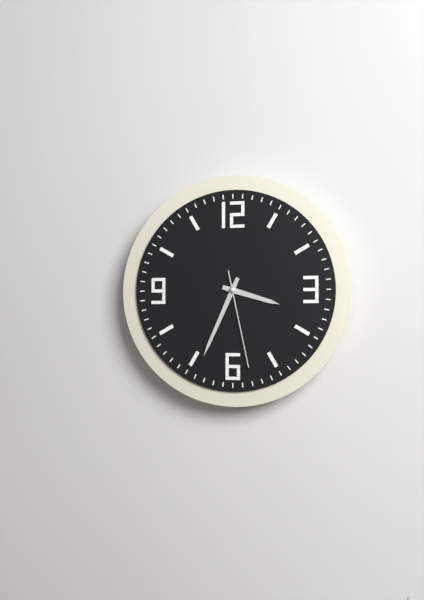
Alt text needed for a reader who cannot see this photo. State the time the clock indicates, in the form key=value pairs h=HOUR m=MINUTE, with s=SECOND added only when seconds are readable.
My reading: h=3 m=34 s=28
